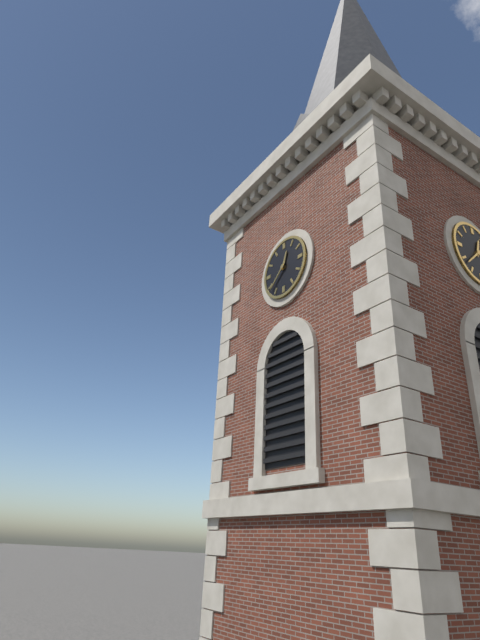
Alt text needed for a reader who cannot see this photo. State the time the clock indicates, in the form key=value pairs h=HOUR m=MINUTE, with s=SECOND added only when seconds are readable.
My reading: h=12 m=38
